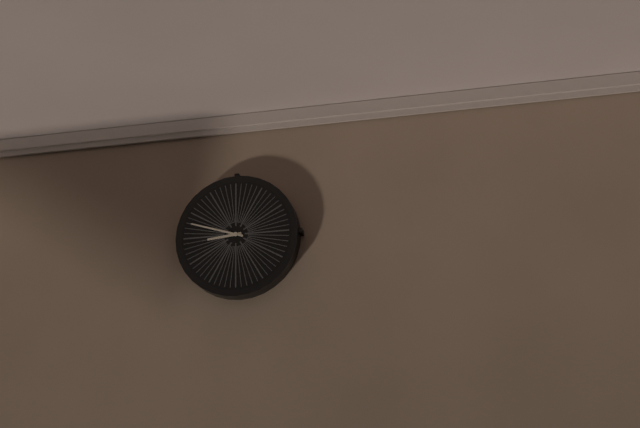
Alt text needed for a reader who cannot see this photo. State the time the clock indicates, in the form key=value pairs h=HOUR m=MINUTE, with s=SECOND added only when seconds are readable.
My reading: h=8 m=48
